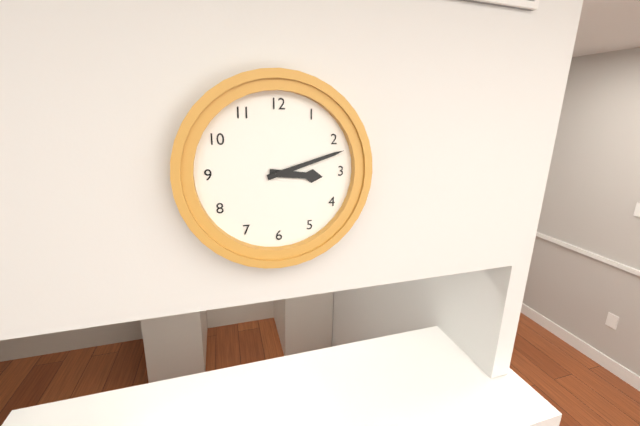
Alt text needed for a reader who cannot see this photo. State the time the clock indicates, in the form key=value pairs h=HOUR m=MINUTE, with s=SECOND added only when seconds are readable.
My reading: h=3 m=12
